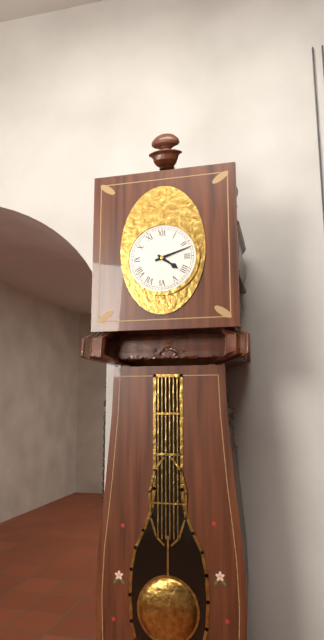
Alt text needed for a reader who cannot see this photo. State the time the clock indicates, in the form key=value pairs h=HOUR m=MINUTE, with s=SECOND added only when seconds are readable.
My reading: h=4 m=12
